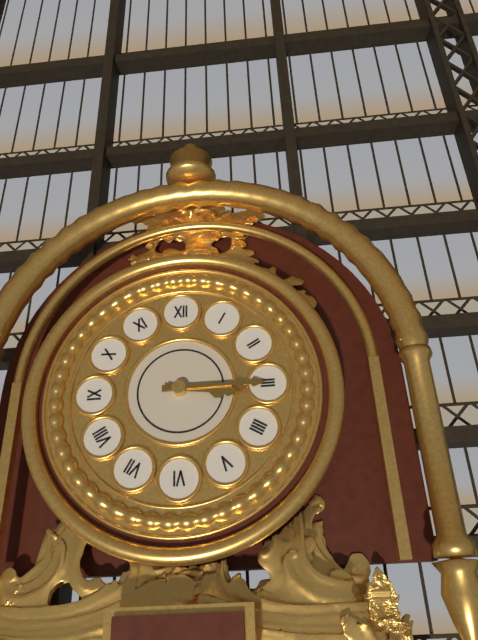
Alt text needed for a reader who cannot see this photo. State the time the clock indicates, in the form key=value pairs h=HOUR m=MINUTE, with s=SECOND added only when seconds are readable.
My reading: h=3 m=15
